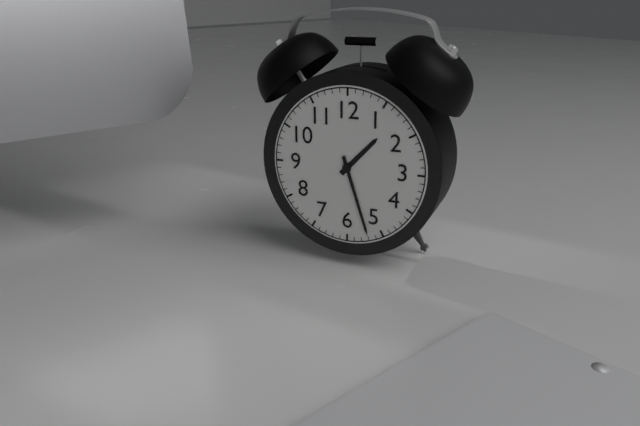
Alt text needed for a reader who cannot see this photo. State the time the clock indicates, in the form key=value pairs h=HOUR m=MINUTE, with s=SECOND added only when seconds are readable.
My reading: h=1 m=27
